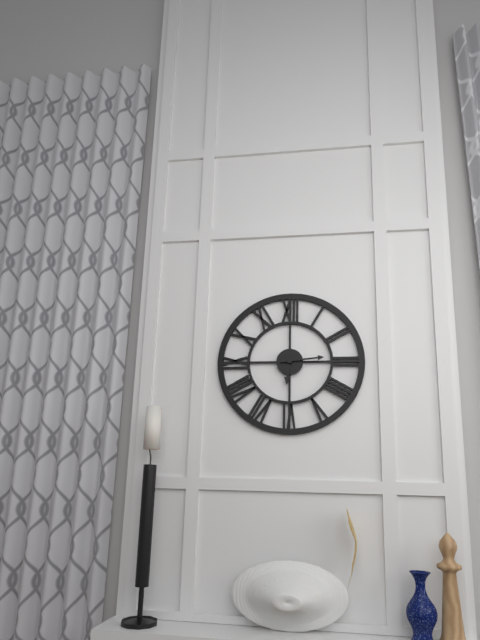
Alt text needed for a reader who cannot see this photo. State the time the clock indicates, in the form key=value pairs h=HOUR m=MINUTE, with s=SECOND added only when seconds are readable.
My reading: h=6 m=14
